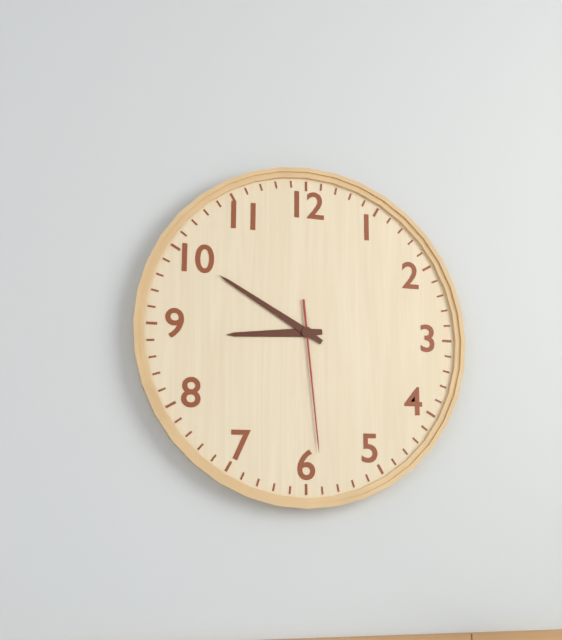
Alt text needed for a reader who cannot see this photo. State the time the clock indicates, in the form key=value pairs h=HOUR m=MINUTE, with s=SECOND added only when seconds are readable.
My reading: h=8 m=50 s=29
